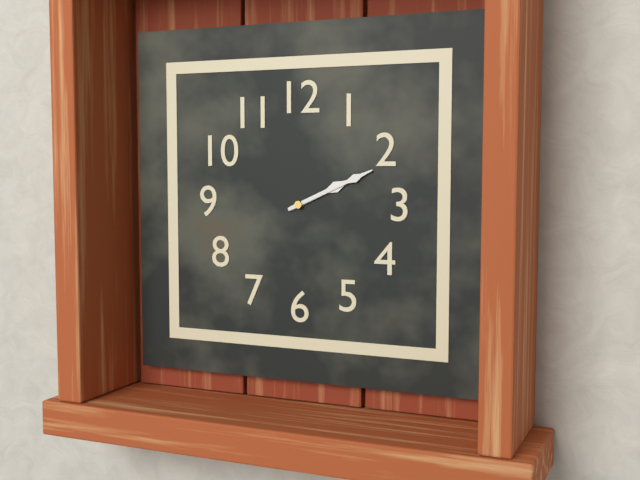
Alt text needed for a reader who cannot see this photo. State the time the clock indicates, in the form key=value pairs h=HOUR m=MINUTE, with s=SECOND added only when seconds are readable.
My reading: h=2 m=11
